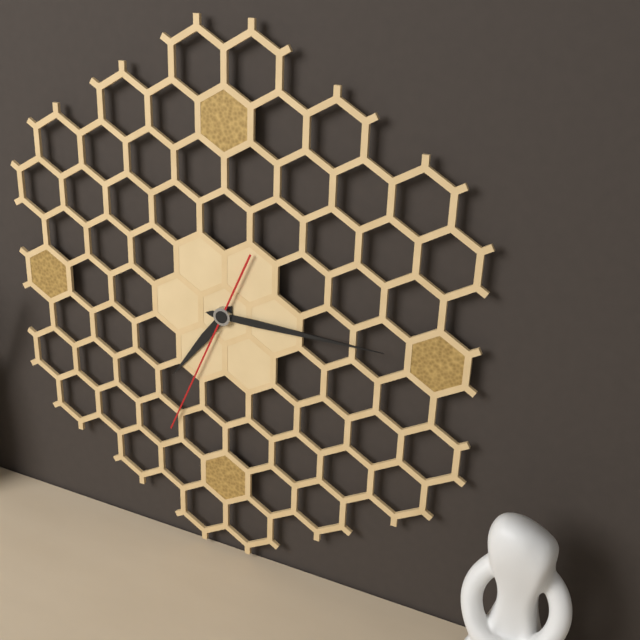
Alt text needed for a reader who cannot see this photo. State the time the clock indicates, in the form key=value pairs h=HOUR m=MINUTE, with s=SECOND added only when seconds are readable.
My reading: h=7 m=15 s=34
